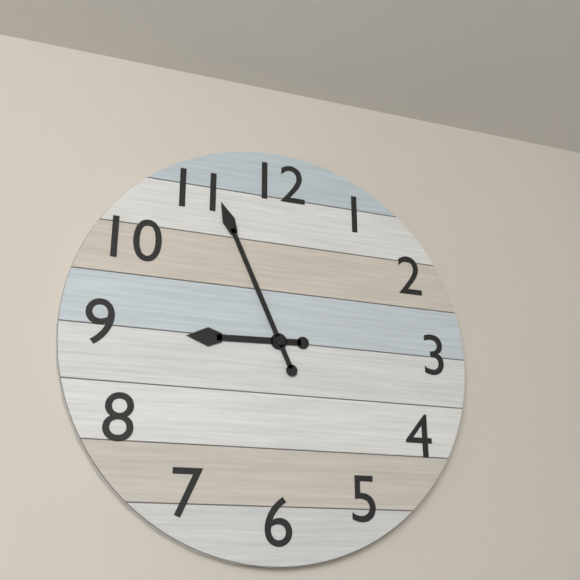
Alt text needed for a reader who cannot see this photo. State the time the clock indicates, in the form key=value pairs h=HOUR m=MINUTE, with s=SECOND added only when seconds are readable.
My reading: h=8 m=56
